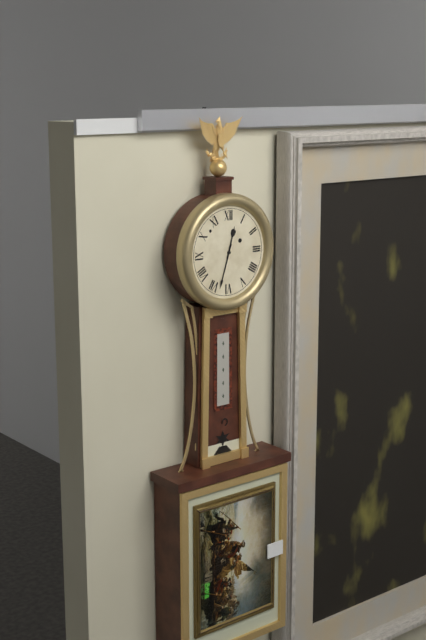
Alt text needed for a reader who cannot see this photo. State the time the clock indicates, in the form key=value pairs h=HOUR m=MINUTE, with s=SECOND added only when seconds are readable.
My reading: h=12 m=33
